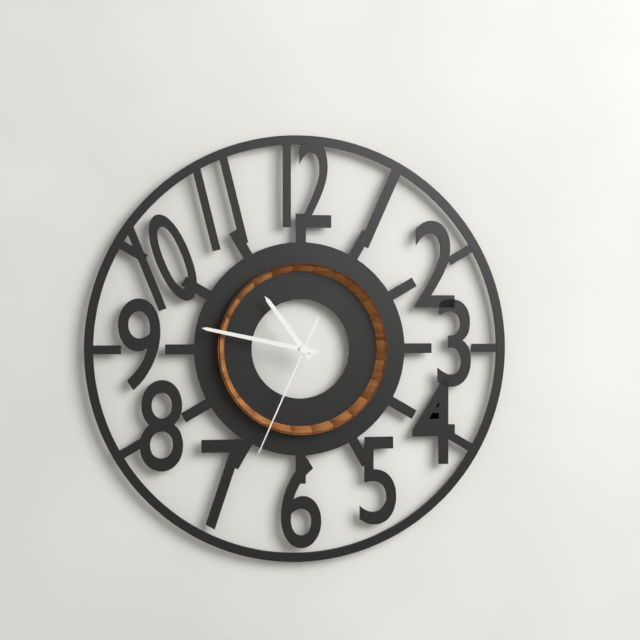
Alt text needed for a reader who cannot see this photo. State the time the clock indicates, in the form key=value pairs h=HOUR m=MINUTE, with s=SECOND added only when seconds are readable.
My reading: h=10 m=47 s=34
